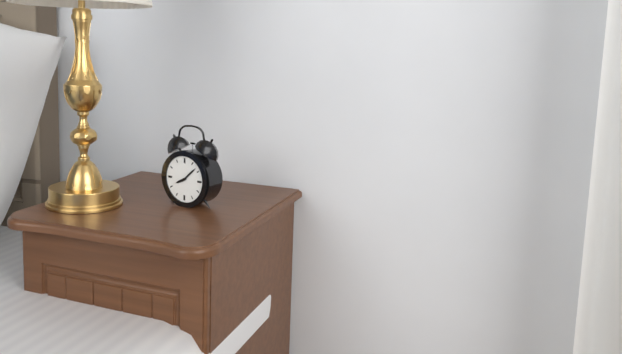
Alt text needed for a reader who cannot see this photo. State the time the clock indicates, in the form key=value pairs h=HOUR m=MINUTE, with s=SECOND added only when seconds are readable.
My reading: h=8 m=8
